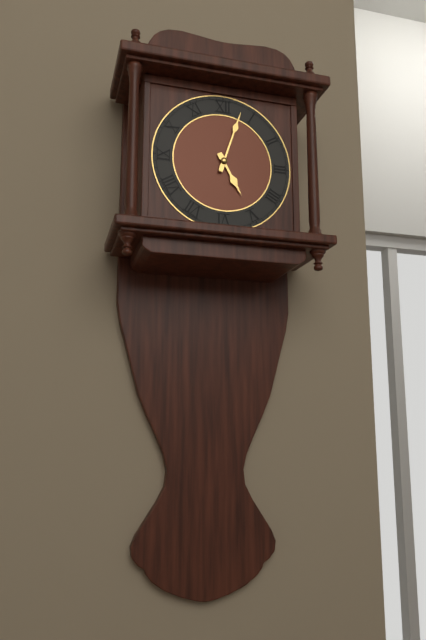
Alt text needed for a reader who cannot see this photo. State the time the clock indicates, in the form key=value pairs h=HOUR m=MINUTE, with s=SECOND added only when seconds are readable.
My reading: h=5 m=3
